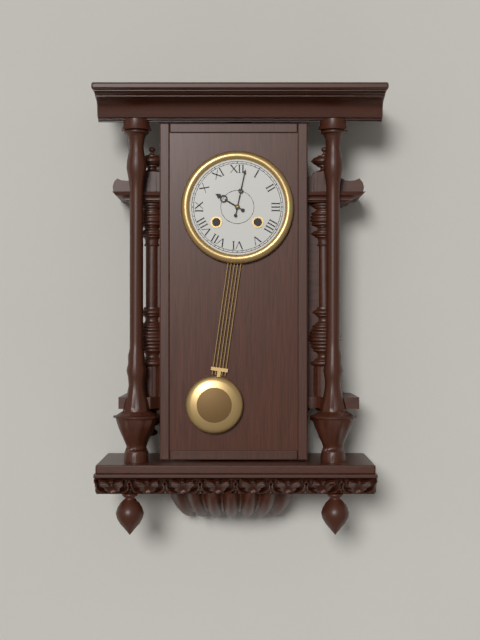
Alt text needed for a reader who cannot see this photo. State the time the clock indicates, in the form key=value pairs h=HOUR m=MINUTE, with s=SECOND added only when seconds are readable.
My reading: h=10 m=2
